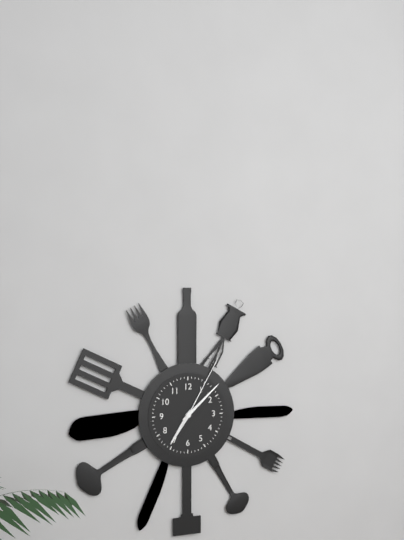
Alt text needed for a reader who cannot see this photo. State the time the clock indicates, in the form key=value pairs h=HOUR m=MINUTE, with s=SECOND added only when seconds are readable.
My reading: h=7 m=8 s=5
